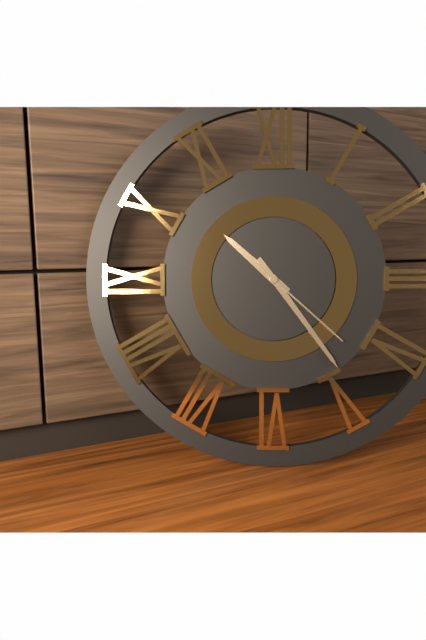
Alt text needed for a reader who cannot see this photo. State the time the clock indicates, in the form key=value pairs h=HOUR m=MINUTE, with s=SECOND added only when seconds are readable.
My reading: h=10 m=24 s=22
